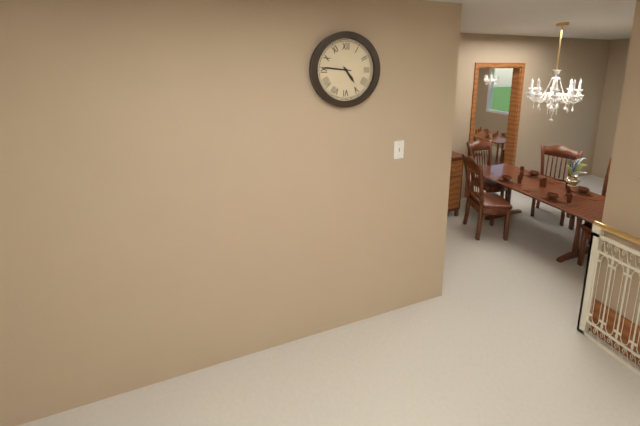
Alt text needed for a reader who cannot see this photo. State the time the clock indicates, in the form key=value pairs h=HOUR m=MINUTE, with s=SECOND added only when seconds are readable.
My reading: h=4 m=46
